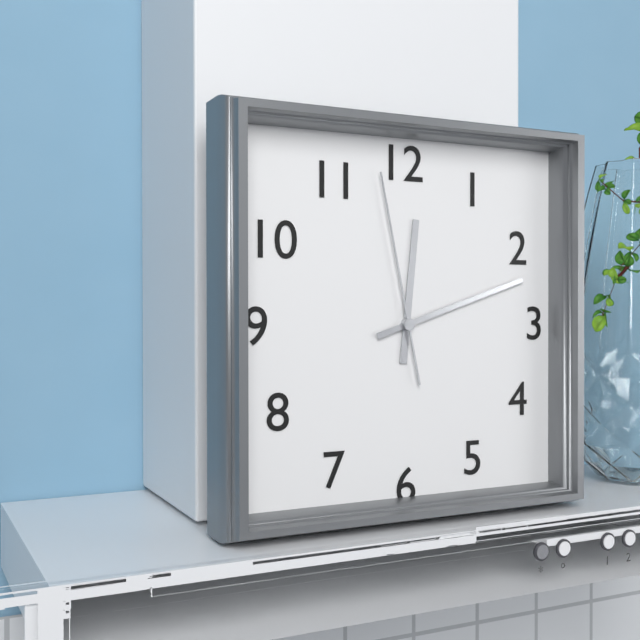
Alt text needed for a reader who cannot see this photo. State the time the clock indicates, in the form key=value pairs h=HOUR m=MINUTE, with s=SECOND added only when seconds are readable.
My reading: h=12 m=12 s=58
